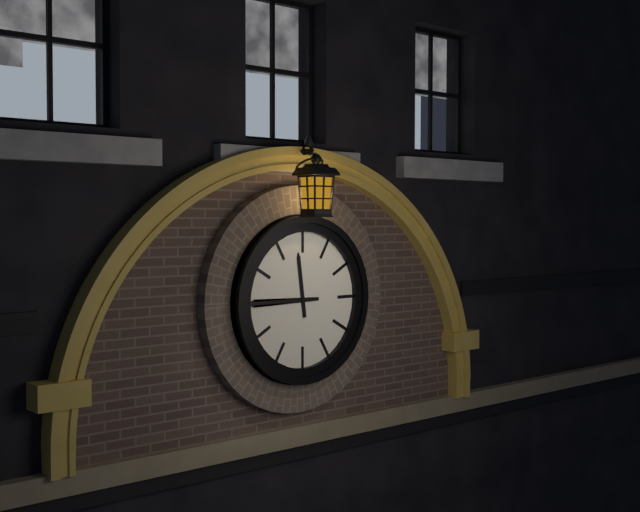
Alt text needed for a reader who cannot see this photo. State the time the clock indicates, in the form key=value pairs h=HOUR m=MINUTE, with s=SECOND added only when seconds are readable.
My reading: h=11 m=45
